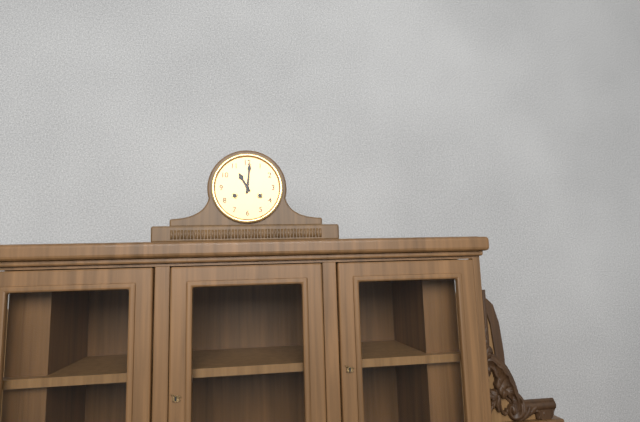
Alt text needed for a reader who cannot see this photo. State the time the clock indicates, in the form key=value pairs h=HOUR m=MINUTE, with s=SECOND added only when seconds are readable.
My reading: h=11 m=1
